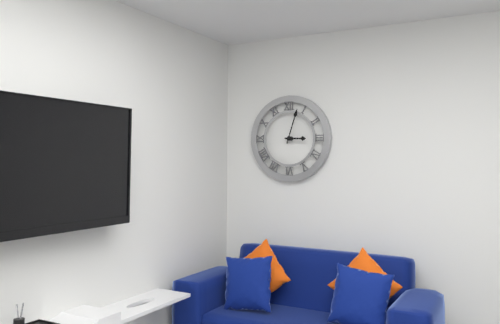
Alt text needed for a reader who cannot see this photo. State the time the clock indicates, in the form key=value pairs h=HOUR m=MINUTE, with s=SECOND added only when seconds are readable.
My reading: h=3 m=3
